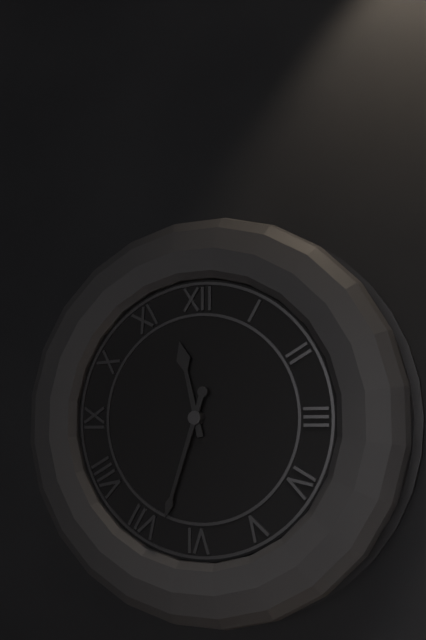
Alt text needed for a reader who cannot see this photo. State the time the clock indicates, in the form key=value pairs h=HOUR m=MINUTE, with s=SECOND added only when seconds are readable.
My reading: h=11 m=33
